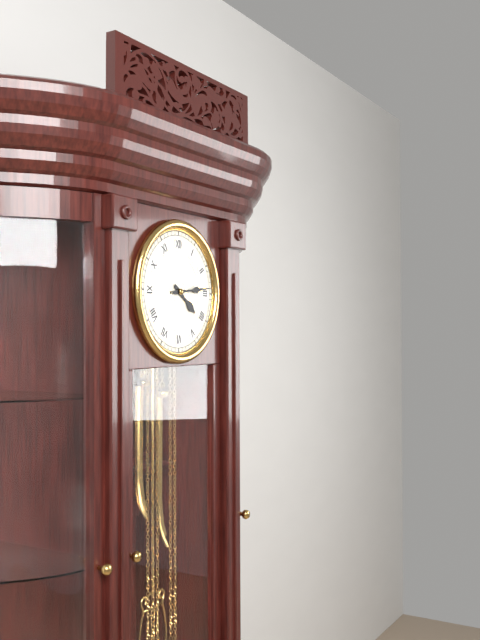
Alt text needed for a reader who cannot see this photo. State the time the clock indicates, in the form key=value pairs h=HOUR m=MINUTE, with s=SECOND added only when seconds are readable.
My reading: h=4 m=14
